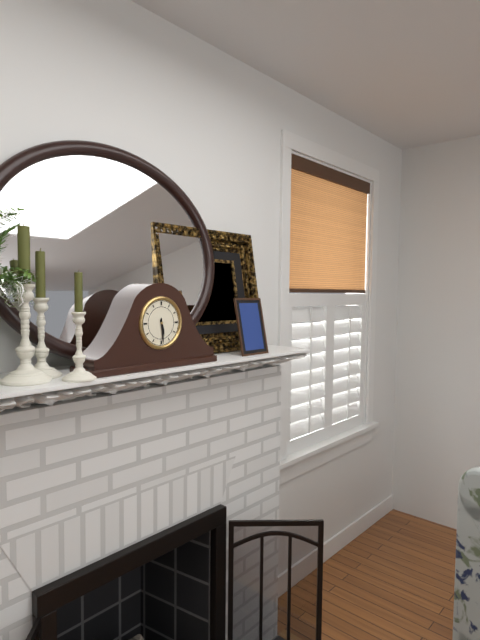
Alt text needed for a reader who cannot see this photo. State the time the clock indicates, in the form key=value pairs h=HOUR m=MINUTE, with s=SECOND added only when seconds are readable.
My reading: h=5 m=29
